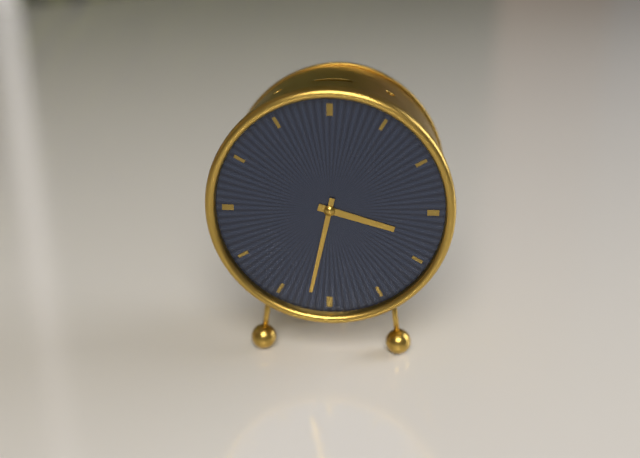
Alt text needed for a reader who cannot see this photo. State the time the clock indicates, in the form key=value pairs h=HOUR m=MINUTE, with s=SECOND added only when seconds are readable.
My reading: h=3 m=32
